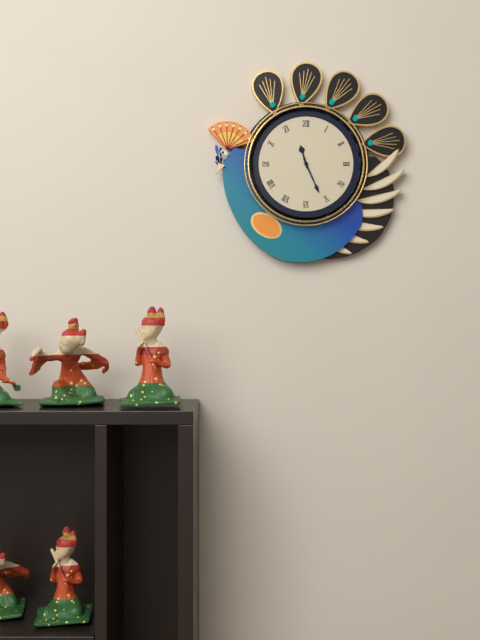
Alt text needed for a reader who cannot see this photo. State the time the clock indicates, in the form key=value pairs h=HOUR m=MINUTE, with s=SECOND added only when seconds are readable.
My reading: h=11 m=26
